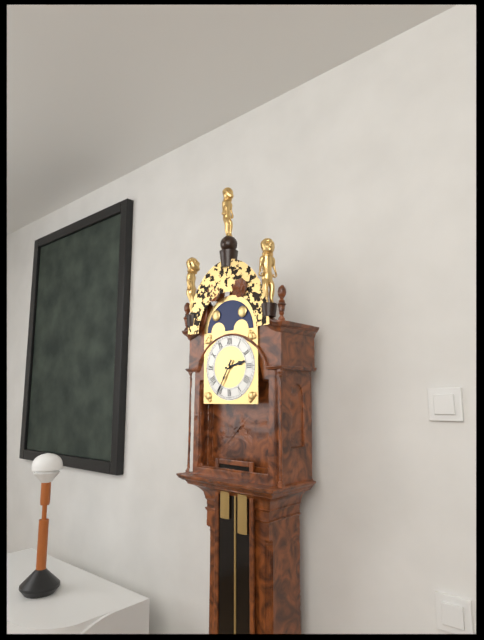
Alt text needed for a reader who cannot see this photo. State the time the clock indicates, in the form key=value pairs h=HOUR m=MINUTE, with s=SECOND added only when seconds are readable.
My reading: h=2 m=35
